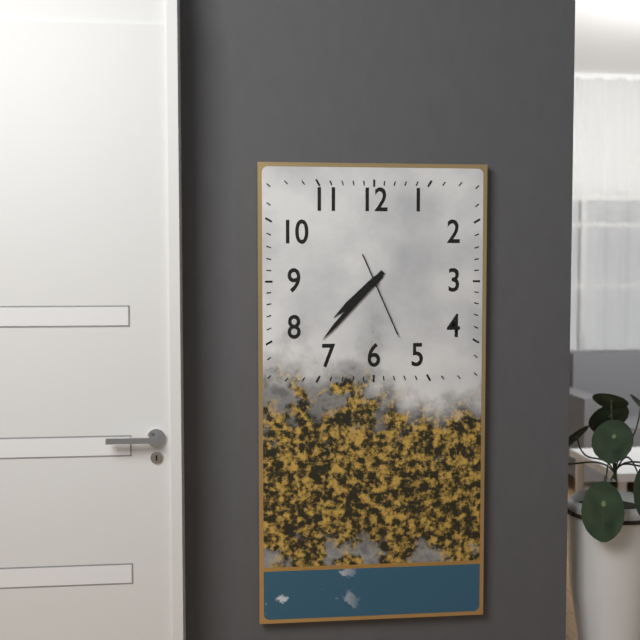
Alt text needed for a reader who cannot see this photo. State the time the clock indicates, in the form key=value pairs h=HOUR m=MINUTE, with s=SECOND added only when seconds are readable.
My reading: h=7 m=37 s=26
